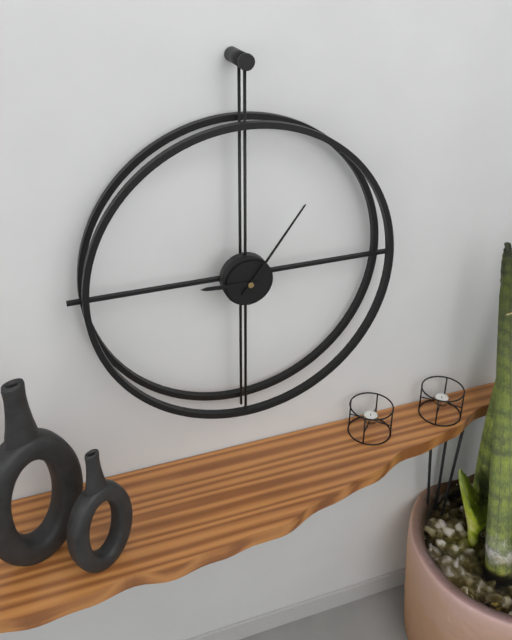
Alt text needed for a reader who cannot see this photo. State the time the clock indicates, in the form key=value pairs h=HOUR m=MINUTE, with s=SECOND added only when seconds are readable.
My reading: h=9 m=6
